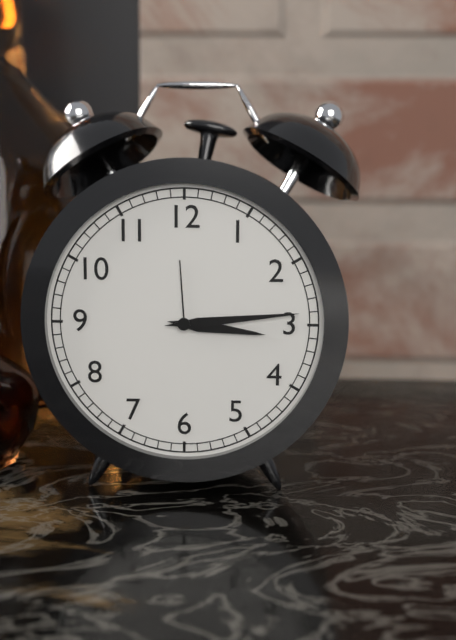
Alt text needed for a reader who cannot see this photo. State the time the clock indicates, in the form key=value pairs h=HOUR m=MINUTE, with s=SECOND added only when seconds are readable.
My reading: h=3 m=14
